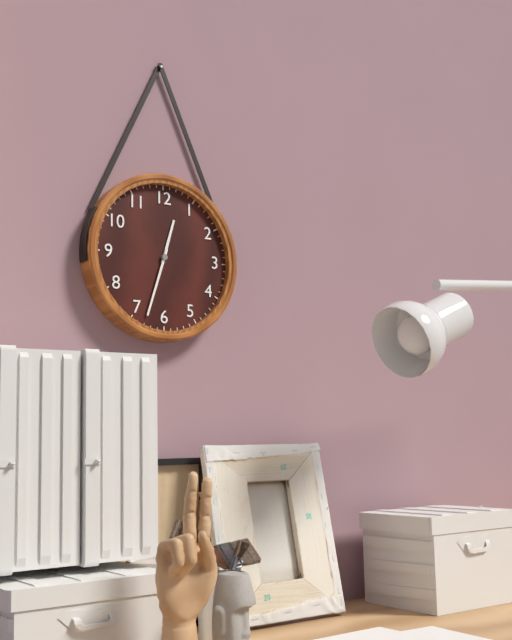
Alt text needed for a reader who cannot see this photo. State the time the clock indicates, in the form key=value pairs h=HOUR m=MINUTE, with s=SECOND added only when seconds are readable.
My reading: h=12 m=33
